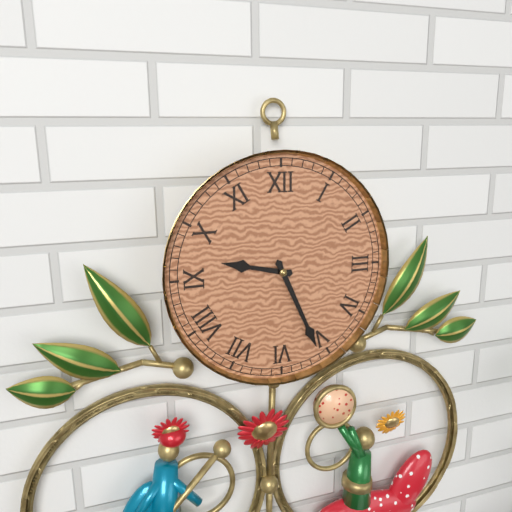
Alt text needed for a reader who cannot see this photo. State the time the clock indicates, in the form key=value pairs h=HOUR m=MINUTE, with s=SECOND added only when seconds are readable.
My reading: h=9 m=26
